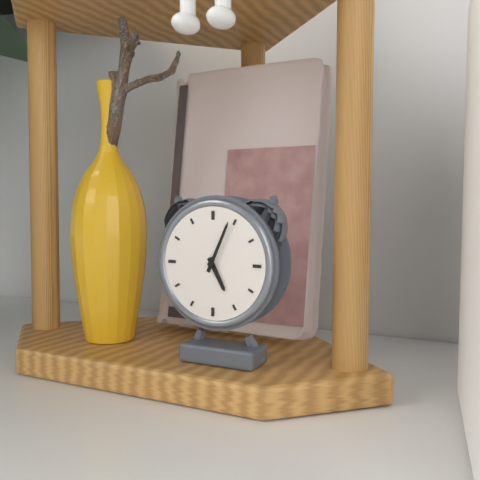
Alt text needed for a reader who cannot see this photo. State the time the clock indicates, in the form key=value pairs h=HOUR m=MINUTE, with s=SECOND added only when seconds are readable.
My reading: h=5 m=4
